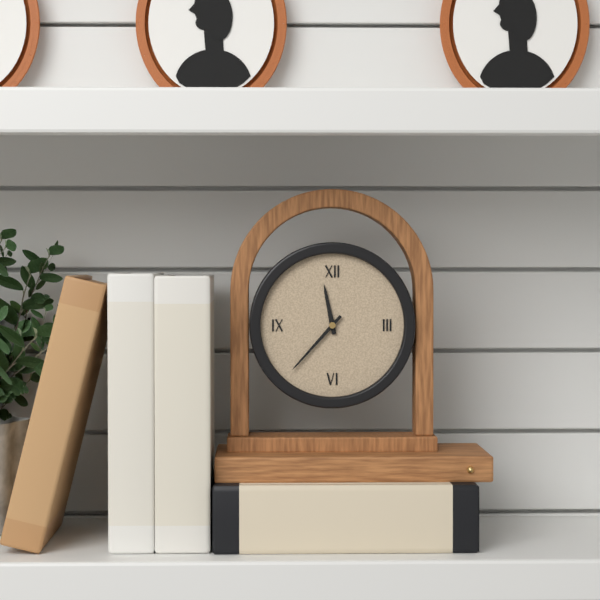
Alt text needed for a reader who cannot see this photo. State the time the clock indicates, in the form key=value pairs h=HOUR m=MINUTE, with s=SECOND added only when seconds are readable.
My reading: h=11 m=37
